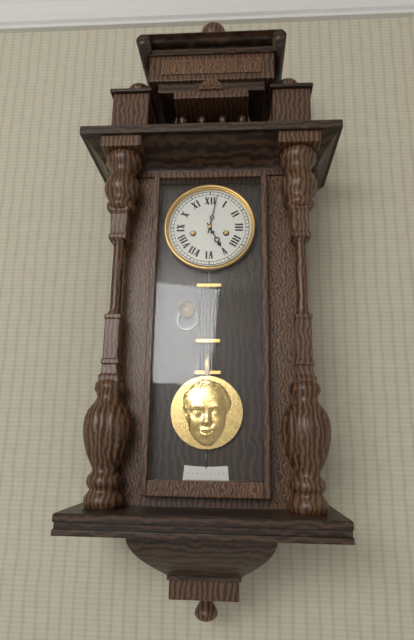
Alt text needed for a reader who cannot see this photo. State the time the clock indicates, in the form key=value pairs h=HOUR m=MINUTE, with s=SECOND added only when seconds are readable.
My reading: h=5 m=2
